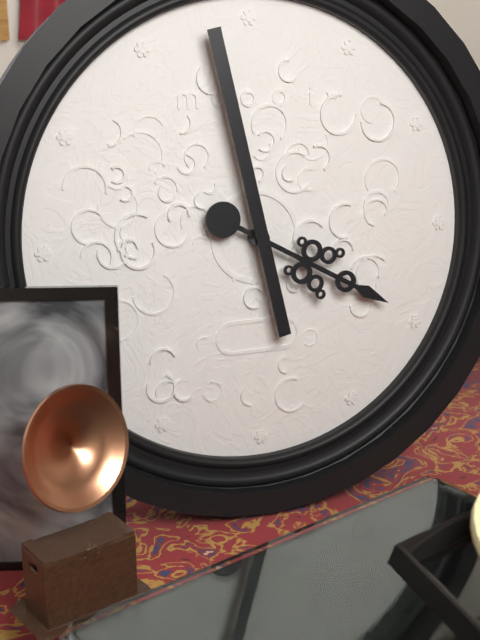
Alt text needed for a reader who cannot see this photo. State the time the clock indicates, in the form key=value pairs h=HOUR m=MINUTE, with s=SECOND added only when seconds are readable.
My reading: h=3 m=58
